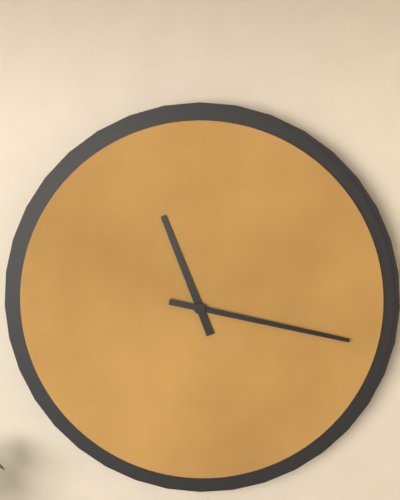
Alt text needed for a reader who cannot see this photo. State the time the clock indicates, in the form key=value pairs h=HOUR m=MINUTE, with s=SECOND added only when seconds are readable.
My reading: h=11 m=17
